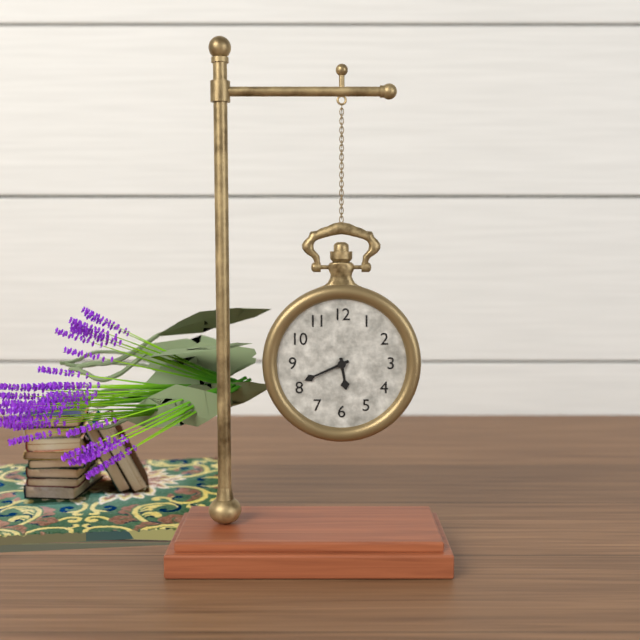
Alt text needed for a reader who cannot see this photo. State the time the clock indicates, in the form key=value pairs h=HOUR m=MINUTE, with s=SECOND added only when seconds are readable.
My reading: h=5 m=41
